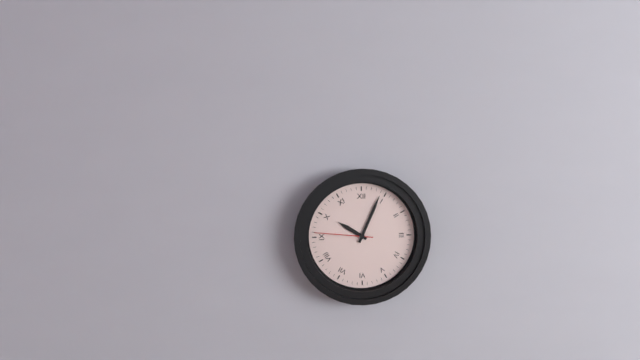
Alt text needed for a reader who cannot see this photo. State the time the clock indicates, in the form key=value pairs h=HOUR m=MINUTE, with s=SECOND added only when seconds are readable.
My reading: h=10 m=4 s=46
